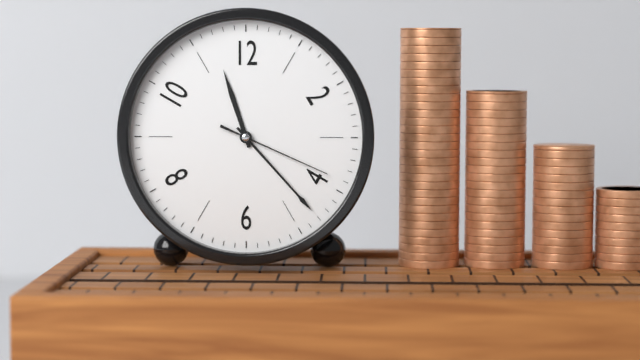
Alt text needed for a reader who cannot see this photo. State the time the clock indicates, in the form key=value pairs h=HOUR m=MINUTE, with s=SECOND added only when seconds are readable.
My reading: h=11 m=23 s=19
